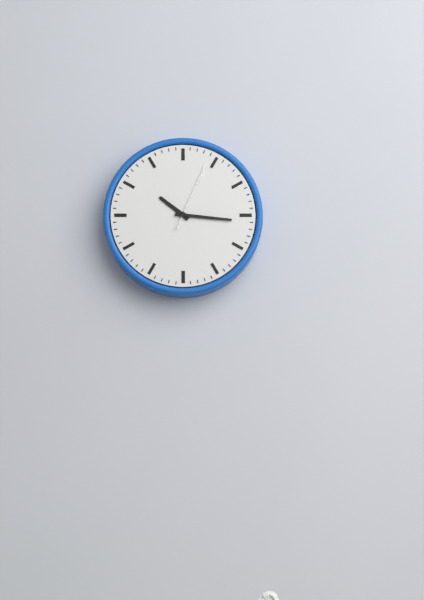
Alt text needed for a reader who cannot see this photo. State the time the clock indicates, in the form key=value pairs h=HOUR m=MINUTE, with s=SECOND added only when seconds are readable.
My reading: h=10 m=16 s=4
